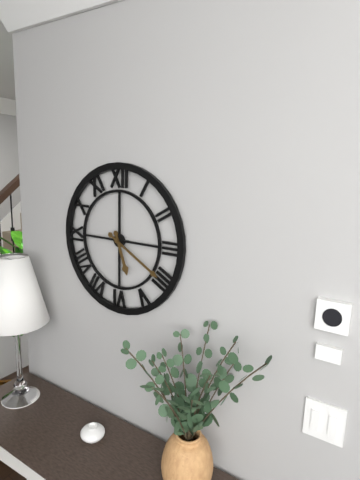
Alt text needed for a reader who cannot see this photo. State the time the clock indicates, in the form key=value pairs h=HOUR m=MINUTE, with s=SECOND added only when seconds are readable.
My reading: h=5 m=20
